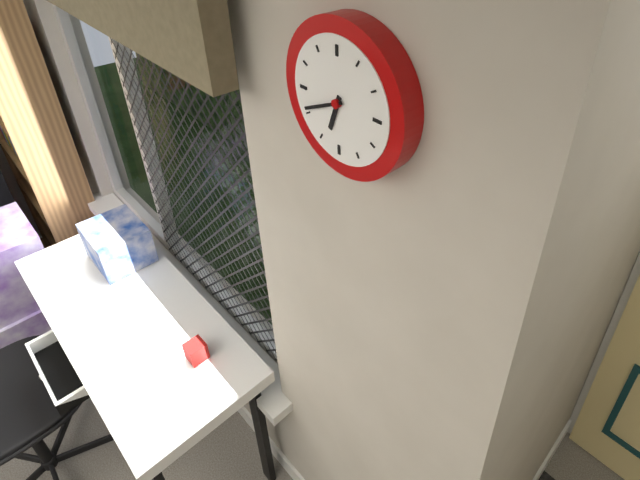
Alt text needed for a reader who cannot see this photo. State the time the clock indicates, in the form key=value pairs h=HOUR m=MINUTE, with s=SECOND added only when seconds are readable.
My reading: h=6 m=41
